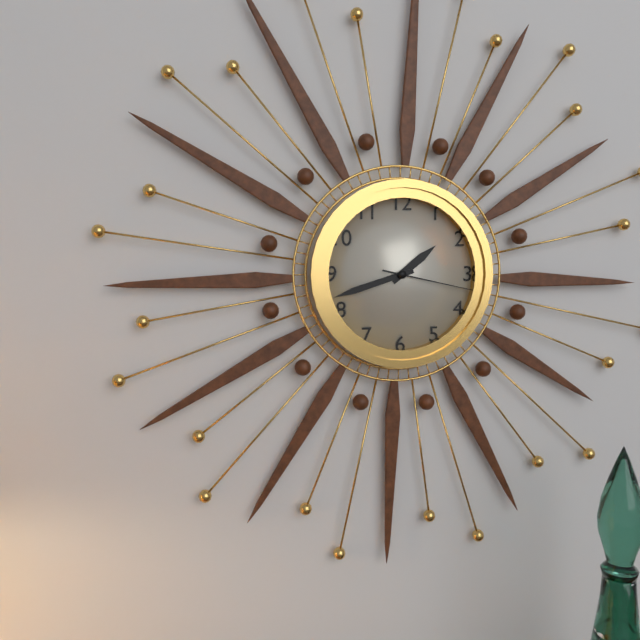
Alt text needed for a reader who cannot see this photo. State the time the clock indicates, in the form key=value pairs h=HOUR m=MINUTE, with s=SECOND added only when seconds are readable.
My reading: h=1 m=42 s=17
